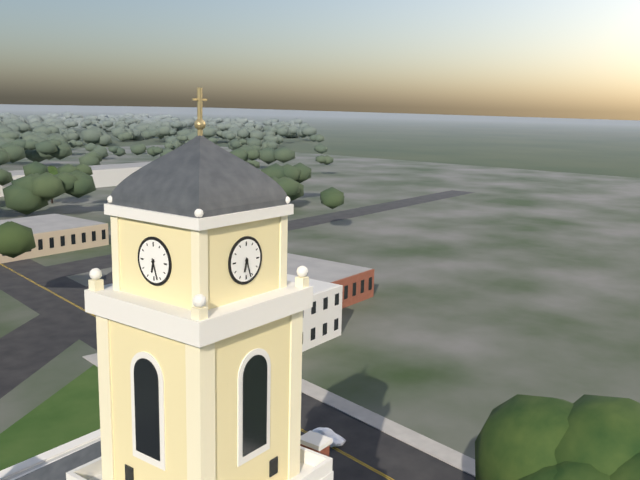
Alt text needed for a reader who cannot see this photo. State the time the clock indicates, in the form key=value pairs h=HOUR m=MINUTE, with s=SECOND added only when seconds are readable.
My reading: h=6 m=27
